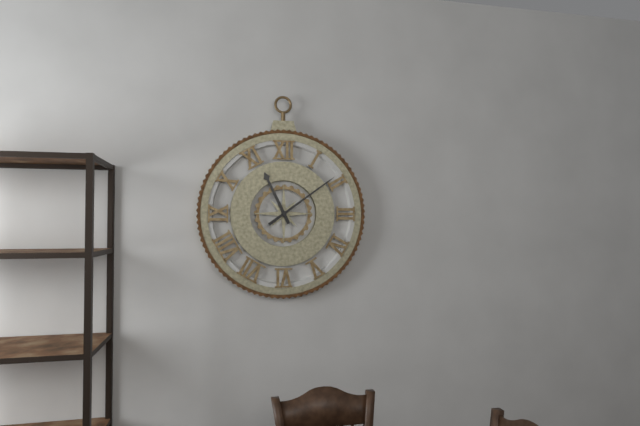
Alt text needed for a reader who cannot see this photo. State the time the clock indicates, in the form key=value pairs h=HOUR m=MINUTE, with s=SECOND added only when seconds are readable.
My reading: h=11 m=9
